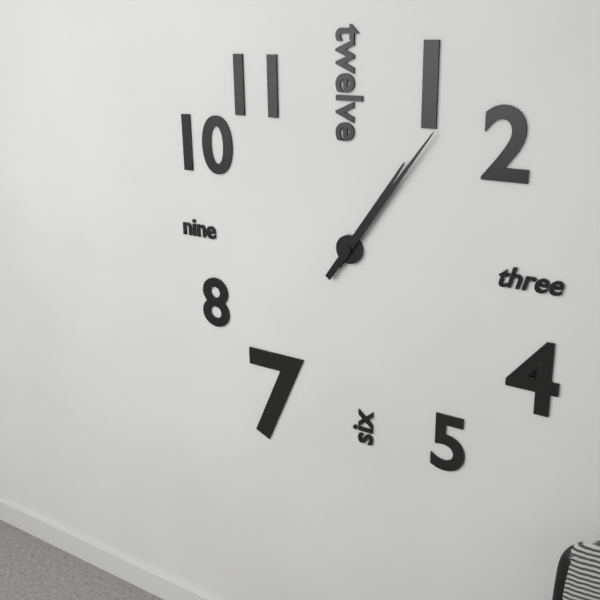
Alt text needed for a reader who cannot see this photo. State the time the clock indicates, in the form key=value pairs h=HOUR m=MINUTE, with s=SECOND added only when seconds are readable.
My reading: h=1 m=6
